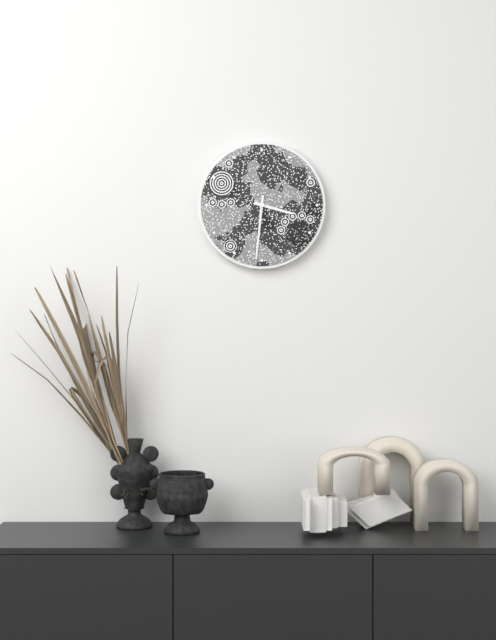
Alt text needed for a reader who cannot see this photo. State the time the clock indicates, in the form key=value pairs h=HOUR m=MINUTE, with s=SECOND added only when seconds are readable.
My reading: h=3 m=31
